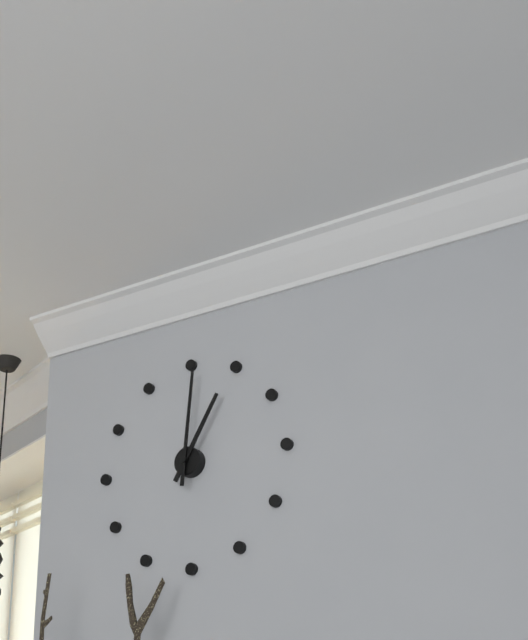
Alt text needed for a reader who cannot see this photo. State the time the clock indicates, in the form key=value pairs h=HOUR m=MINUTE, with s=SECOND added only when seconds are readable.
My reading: h=1 m=1
